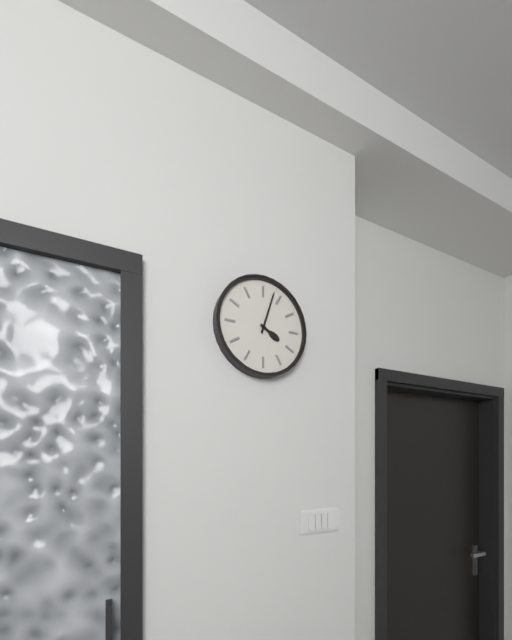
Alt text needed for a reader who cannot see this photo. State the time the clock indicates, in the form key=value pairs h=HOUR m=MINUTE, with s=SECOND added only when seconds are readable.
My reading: h=4 m=3
